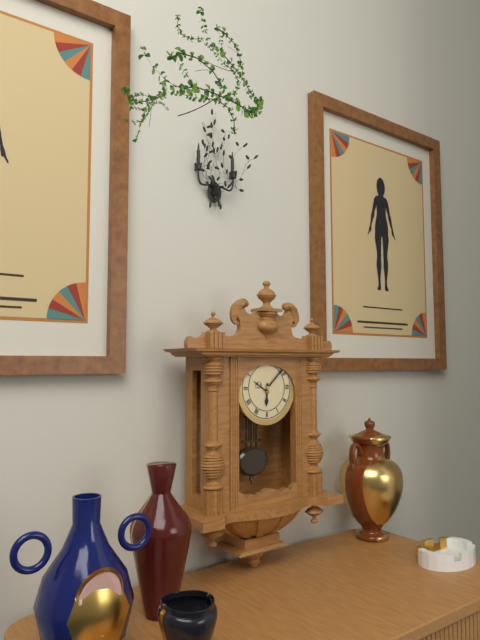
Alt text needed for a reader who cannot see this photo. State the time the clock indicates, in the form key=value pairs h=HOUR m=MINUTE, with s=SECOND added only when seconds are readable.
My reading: h=6 m=8
